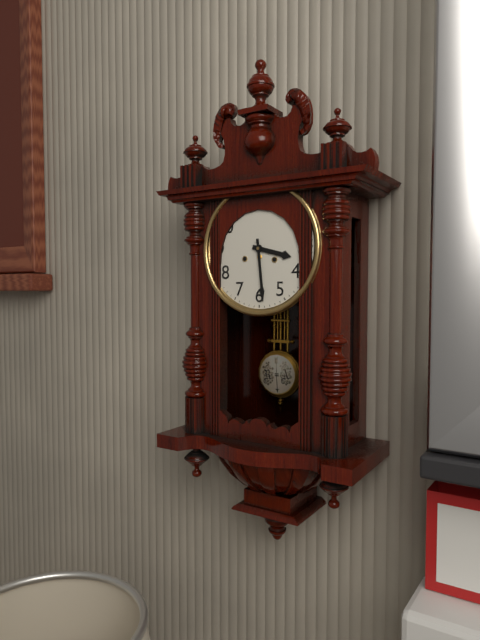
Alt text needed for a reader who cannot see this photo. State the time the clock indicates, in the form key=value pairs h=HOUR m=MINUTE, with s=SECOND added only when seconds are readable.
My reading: h=3 m=29
